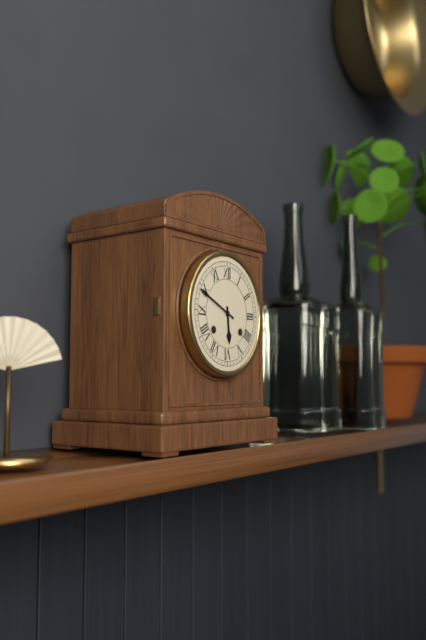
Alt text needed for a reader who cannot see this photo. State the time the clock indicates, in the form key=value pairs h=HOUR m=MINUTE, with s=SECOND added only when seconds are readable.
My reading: h=5 m=49
